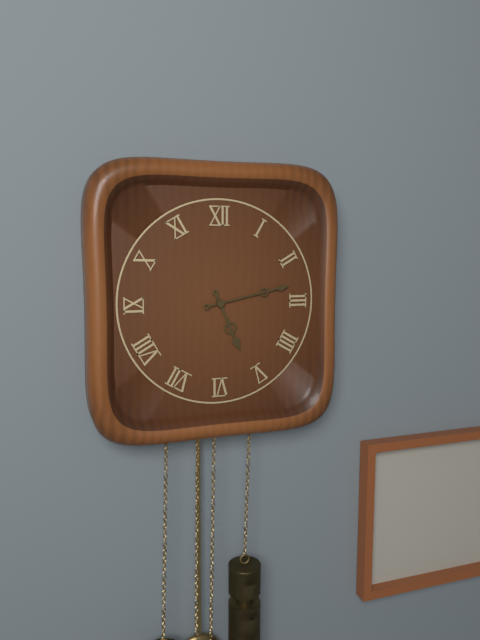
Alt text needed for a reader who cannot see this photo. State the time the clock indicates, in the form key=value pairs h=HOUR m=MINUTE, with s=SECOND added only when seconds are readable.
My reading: h=5 m=13
